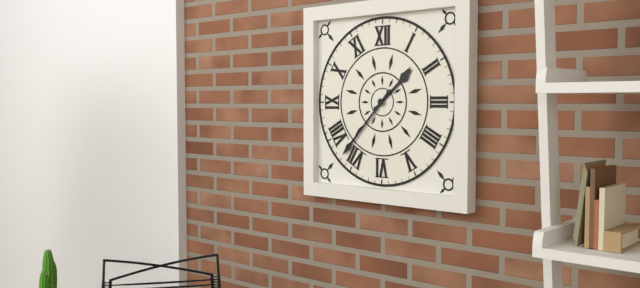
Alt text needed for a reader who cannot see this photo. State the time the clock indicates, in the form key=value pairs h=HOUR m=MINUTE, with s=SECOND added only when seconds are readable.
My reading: h=1 m=37
